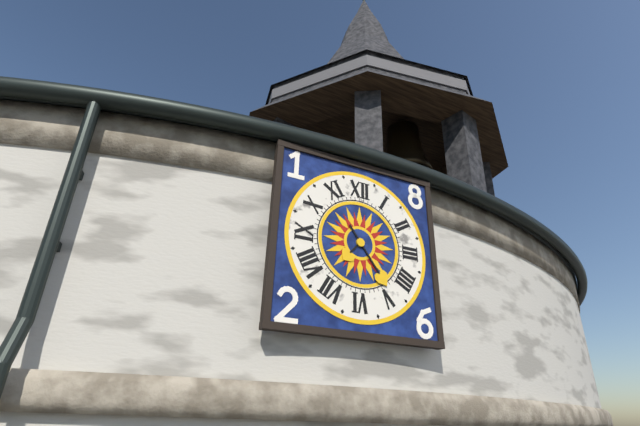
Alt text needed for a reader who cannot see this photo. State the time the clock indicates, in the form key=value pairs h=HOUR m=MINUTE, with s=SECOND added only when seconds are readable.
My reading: h=7 m=24
